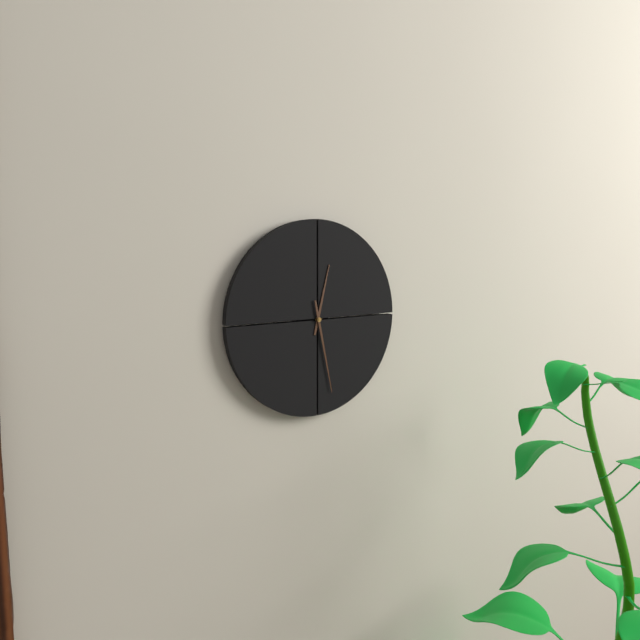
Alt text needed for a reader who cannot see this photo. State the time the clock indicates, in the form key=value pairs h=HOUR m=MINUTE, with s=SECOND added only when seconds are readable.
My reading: h=12 m=28
